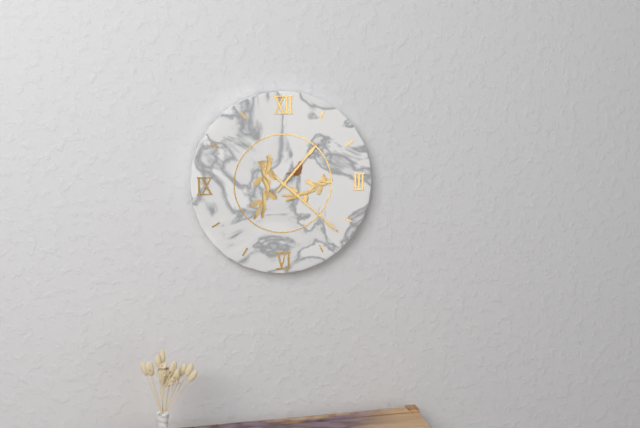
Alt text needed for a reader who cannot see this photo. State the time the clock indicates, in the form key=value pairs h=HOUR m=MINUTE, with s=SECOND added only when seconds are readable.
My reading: h=1 m=22
